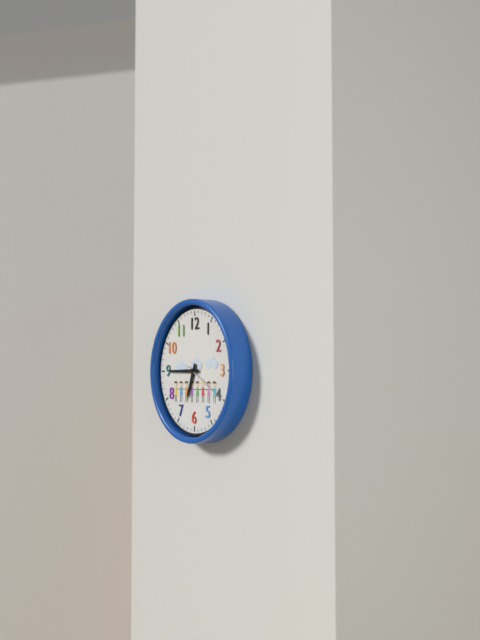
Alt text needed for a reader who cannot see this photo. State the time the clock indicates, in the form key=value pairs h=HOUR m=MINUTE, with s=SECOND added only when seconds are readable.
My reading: h=6 m=45
